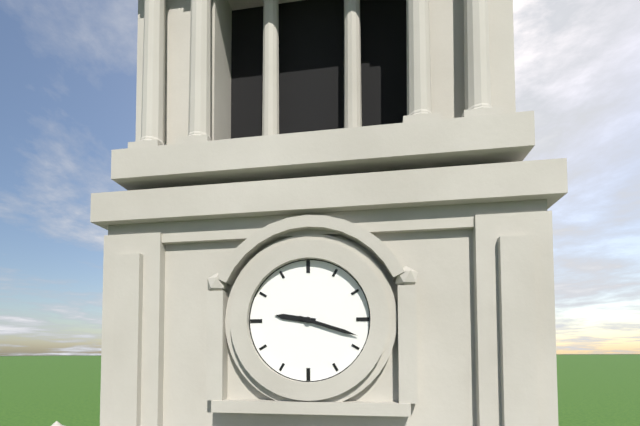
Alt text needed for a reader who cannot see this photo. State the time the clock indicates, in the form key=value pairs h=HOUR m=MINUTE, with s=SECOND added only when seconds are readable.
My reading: h=9 m=18
